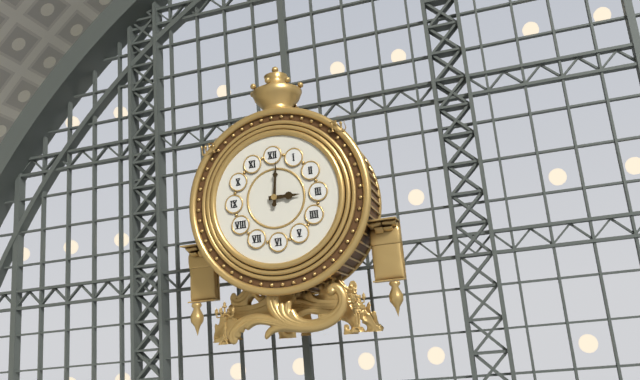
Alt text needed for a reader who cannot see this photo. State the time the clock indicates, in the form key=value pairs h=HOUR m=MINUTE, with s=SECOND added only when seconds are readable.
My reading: h=3 m=1
